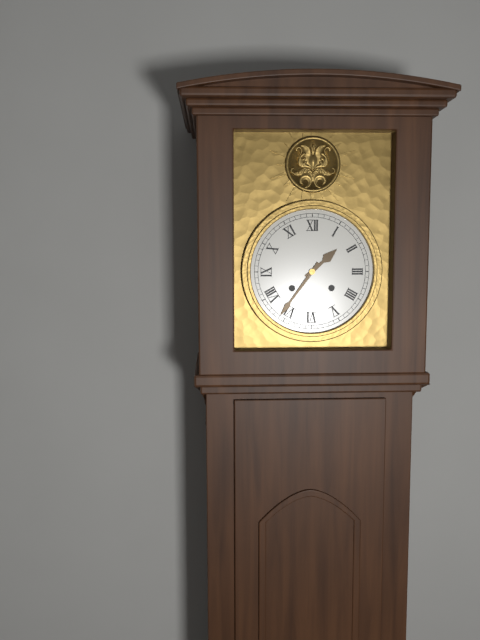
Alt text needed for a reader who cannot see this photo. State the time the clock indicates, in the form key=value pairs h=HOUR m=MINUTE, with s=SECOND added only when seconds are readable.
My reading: h=1 m=36
